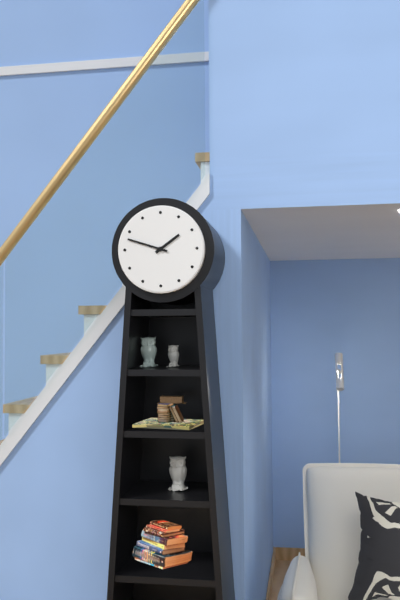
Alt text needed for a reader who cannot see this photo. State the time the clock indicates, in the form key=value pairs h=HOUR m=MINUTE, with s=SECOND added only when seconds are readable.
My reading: h=1 m=48
